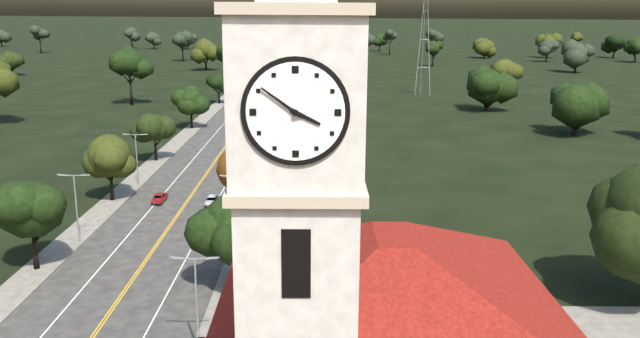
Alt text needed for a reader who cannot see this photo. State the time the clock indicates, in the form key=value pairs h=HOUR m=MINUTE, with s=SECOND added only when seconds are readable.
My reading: h=3 m=51
